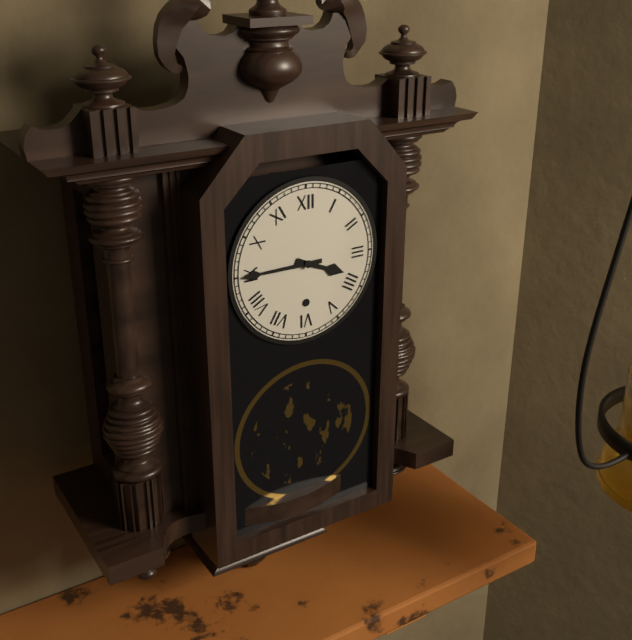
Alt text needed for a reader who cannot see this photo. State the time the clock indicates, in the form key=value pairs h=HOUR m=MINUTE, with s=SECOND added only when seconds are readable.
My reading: h=3 m=45
